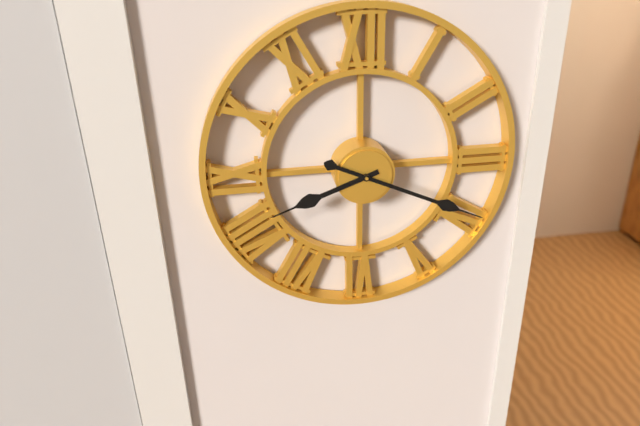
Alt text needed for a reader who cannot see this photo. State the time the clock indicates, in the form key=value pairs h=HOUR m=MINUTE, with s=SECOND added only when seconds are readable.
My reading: h=8 m=19
